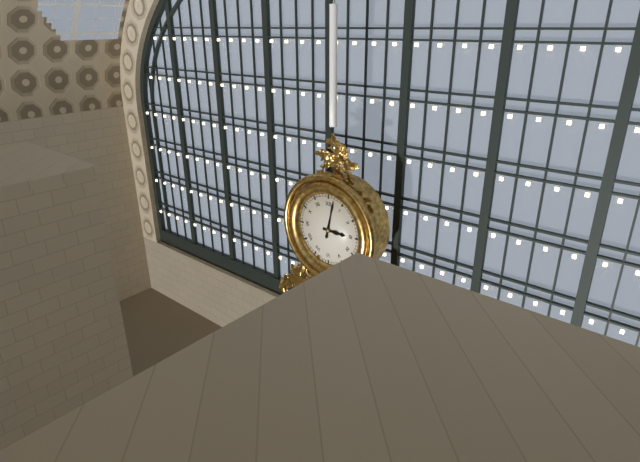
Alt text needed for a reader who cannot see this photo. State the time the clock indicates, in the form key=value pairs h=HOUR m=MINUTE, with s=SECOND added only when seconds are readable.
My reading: h=3 m=2
